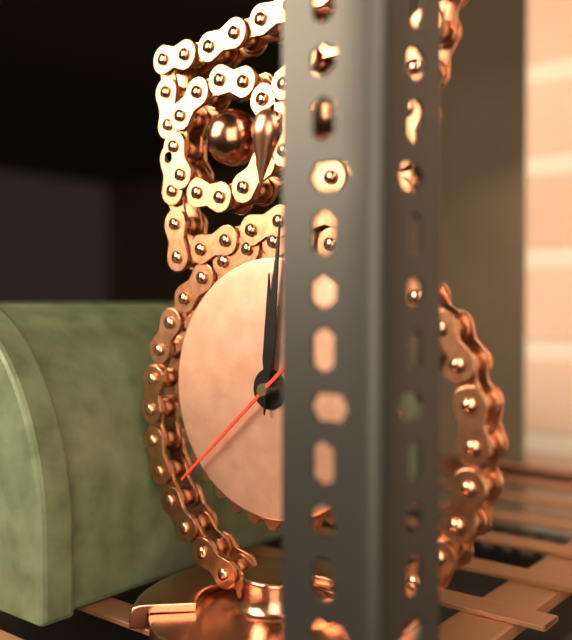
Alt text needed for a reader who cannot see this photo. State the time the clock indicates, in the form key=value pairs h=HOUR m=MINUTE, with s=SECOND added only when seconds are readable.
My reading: h=12 m=1 s=38
